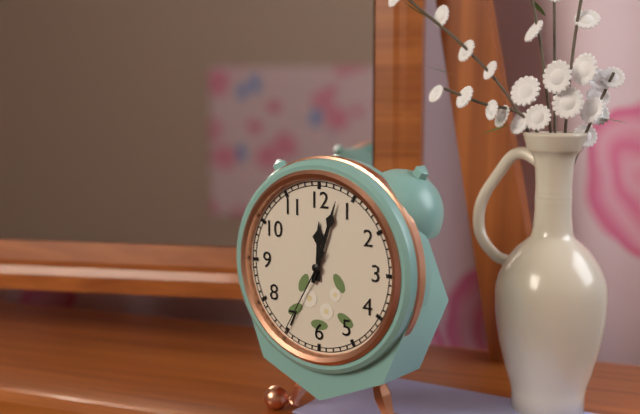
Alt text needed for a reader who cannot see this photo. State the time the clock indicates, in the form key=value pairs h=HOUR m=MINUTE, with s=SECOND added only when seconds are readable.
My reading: h=12 m=3 s=35
